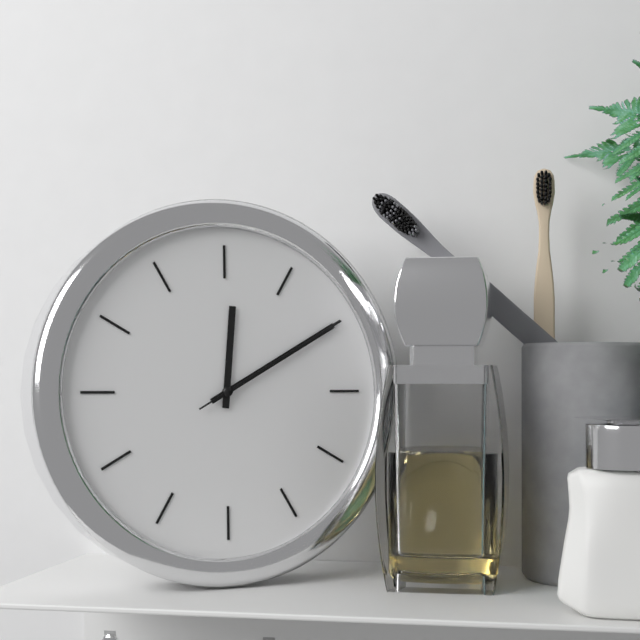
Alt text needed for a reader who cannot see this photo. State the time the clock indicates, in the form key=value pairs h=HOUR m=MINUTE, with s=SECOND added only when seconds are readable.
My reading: h=12 m=10 s=10
